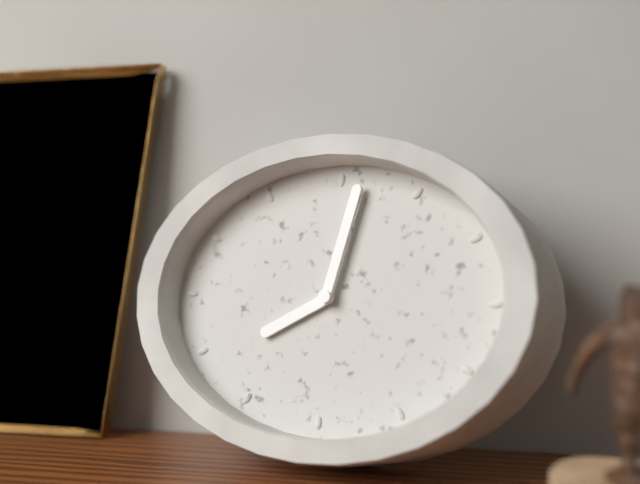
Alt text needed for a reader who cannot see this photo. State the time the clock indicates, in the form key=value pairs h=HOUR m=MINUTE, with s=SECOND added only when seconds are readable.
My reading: h=8 m=2
